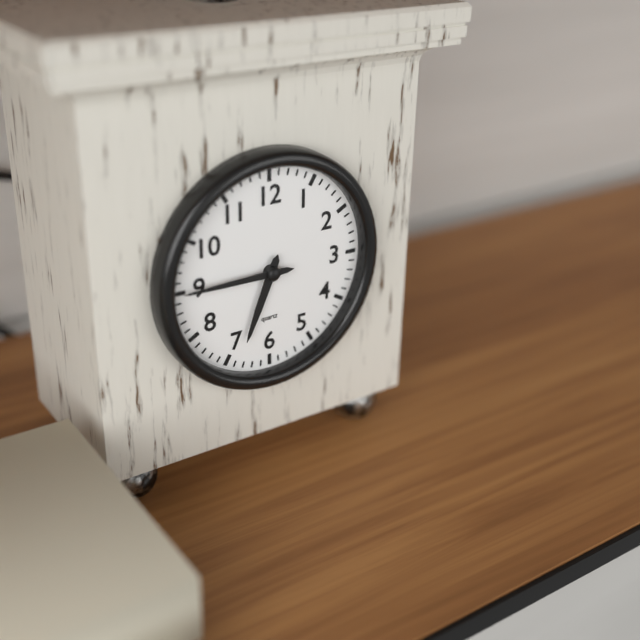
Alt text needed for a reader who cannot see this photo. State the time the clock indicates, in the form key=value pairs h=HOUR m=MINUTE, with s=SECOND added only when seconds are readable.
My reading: h=6 m=45
